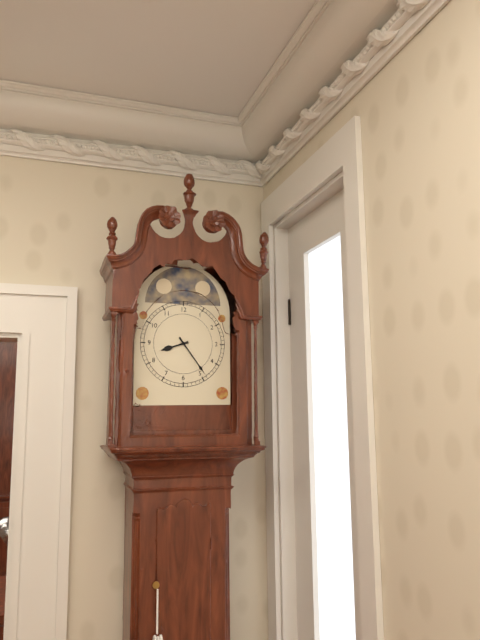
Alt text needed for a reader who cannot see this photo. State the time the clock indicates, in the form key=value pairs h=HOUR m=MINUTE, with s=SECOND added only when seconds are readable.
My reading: h=8 m=24
